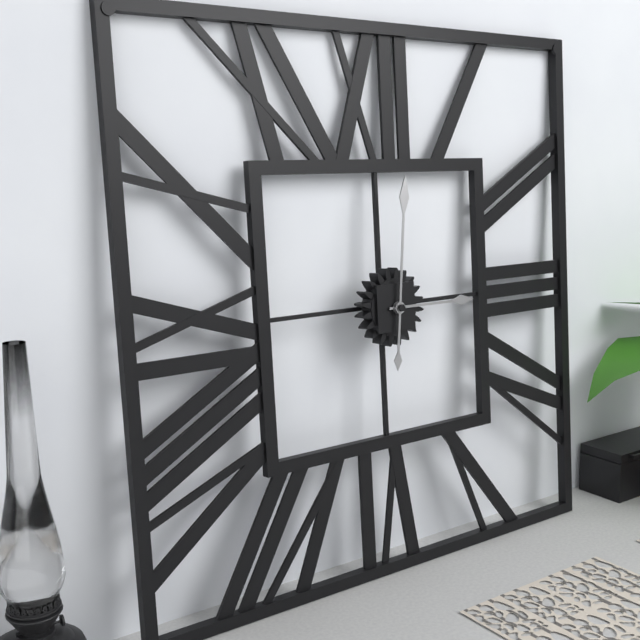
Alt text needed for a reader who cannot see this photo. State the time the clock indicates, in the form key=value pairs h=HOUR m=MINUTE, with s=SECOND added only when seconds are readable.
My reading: h=3 m=1
